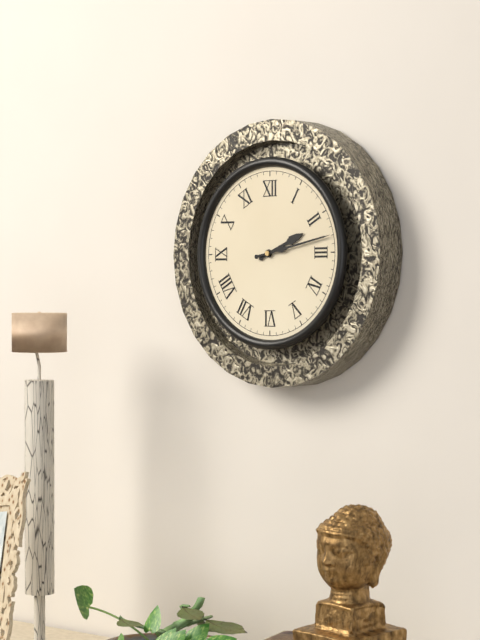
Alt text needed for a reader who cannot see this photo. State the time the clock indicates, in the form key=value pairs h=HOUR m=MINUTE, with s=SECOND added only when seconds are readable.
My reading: h=2 m=13
